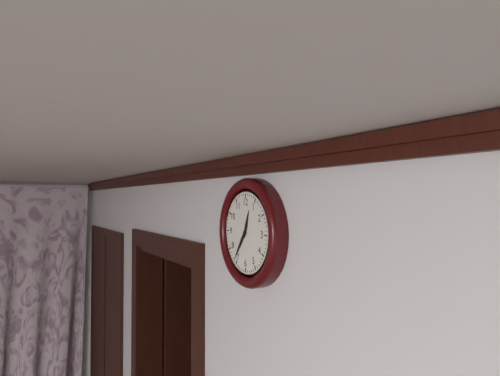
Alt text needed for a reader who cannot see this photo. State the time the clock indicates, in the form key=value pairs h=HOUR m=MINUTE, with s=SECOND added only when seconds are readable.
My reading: h=12 m=36
